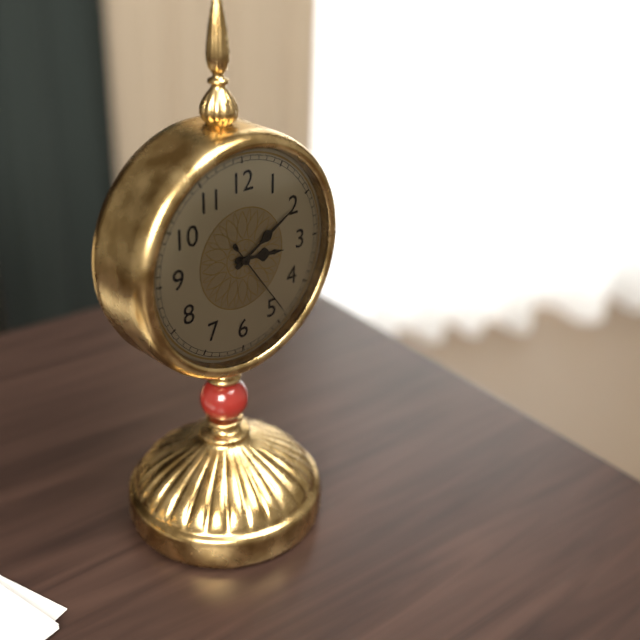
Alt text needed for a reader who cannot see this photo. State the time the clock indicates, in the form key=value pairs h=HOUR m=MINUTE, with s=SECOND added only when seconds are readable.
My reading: h=3 m=10 s=24
